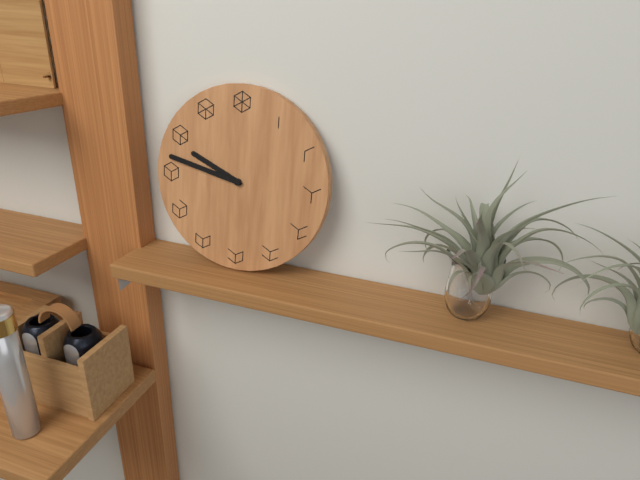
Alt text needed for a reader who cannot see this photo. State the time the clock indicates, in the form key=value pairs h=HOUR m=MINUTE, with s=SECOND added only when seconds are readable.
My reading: h=9 m=47
